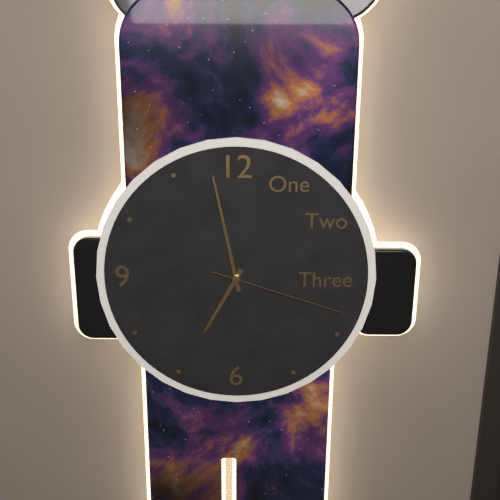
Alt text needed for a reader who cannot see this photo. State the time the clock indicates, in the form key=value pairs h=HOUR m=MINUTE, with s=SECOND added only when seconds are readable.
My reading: h=6 m=58 s=18
